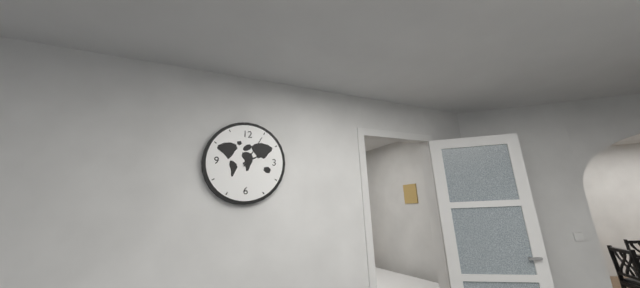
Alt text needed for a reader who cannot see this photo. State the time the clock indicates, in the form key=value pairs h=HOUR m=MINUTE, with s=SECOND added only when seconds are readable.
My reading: h=2 m=5
